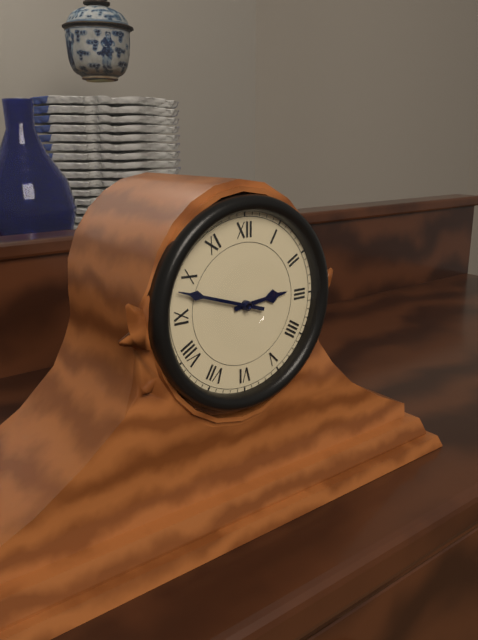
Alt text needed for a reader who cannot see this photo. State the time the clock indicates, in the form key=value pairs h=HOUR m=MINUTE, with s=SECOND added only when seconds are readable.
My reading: h=2 m=48
